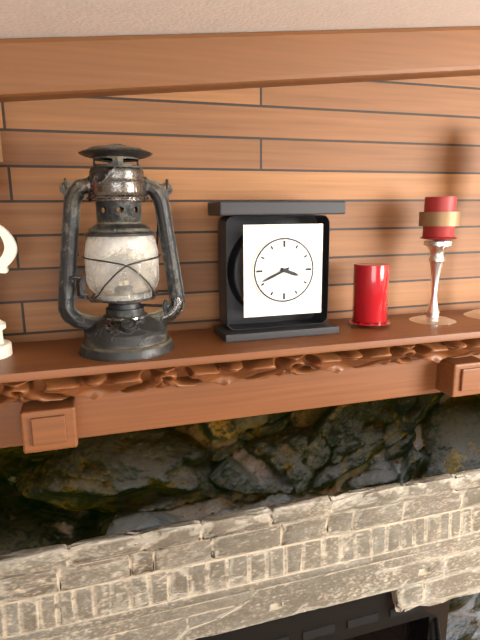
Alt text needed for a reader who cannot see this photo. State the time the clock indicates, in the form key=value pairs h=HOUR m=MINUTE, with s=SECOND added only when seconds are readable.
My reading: h=3 m=41
